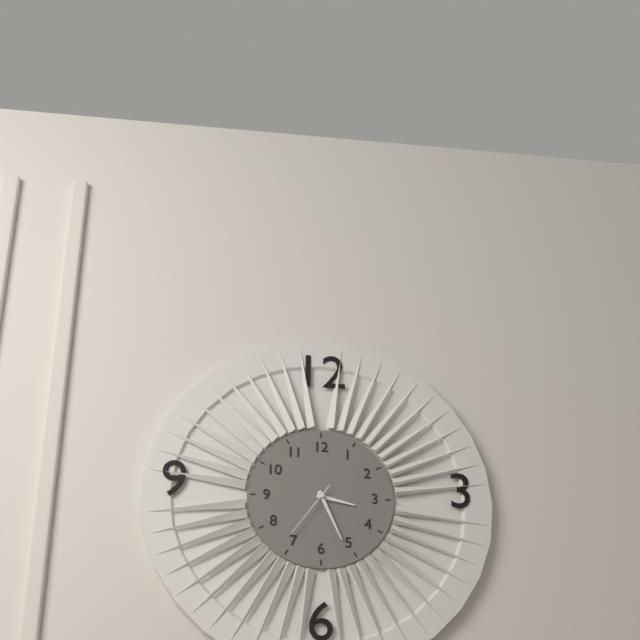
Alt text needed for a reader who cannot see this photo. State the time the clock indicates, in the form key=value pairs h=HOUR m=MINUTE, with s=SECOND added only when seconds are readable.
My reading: h=3 m=26 s=36
